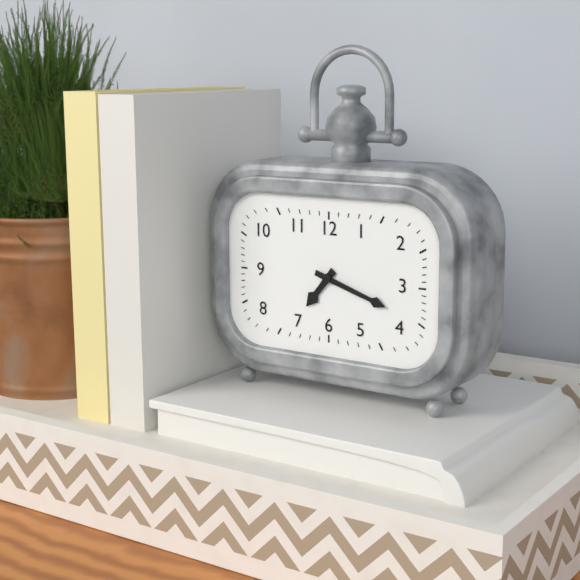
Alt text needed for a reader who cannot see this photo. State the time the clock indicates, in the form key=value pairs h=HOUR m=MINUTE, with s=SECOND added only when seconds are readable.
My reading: h=7 m=18
